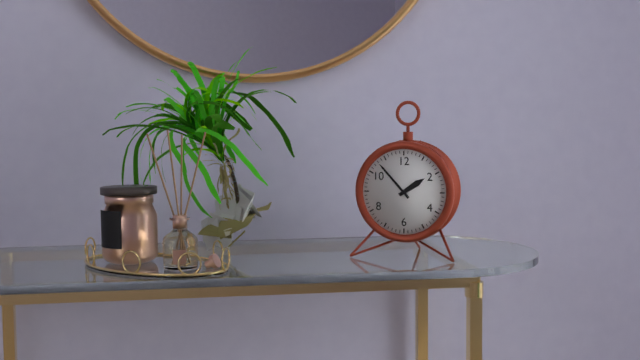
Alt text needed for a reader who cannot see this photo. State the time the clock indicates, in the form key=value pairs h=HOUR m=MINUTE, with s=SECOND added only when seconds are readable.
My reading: h=1 m=53
